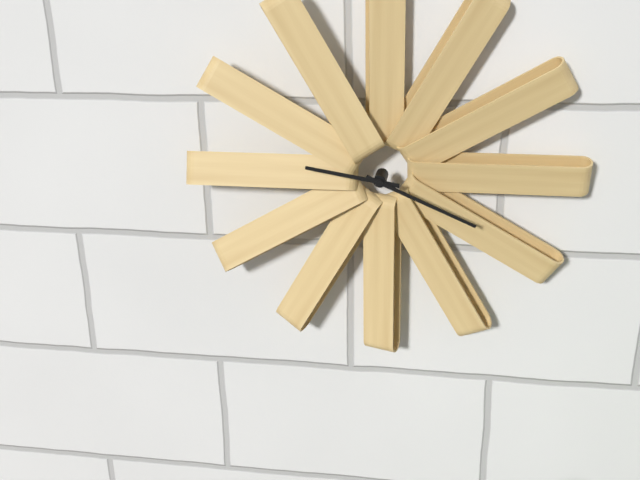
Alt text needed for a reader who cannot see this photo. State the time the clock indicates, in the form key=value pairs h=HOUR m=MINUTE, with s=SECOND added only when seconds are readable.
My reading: h=9 m=19
